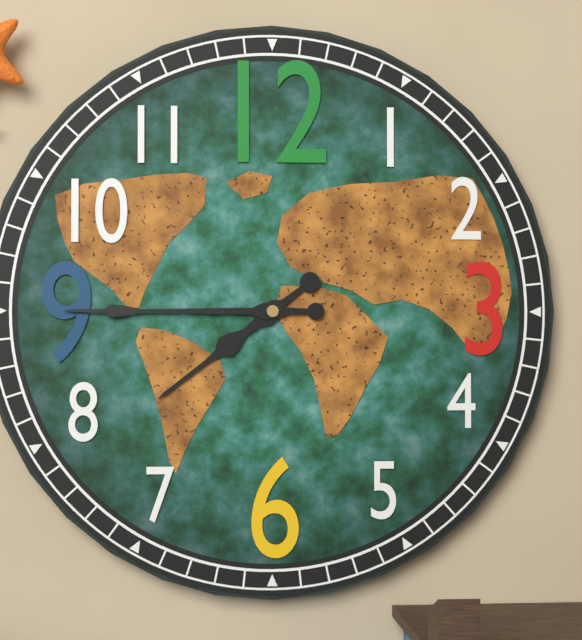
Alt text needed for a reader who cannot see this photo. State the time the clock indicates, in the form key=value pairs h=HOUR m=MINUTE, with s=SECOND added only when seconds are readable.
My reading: h=7 m=45
